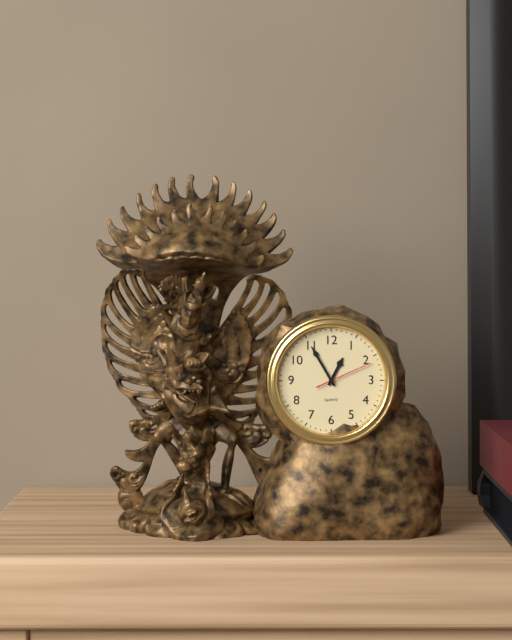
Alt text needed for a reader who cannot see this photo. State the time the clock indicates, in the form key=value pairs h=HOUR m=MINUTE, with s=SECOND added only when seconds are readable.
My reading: h=12 m=55 s=11
